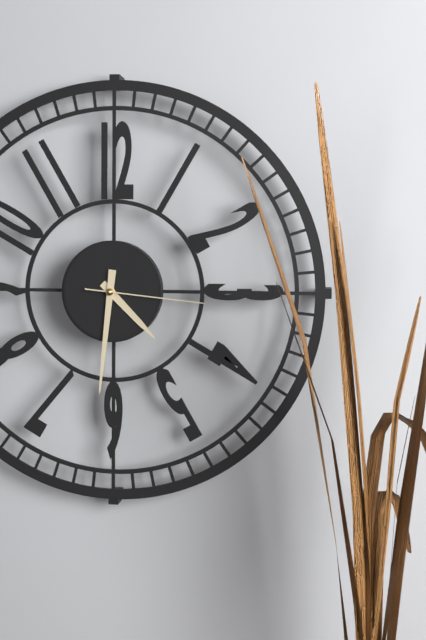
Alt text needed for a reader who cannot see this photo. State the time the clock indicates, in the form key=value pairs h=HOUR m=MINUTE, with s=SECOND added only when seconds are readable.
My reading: h=4 m=31 s=16
